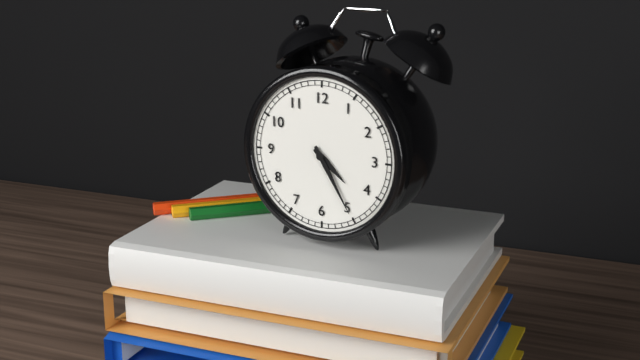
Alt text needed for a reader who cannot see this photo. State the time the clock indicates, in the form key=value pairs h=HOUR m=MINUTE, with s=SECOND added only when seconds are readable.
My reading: h=4 m=25
